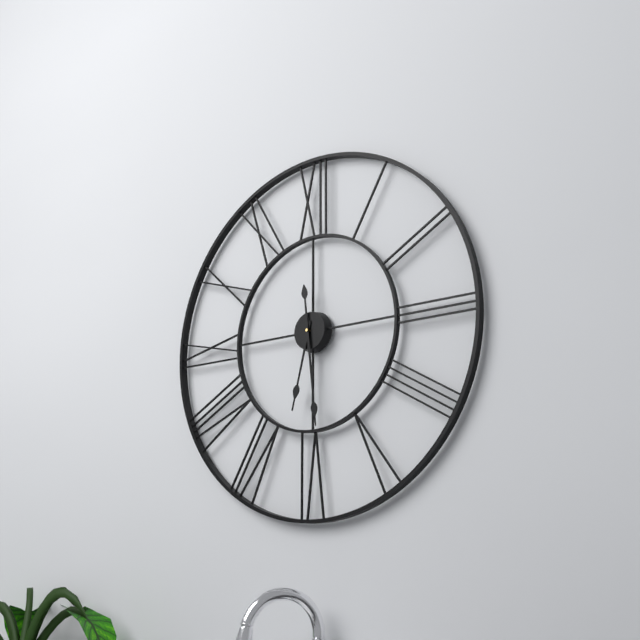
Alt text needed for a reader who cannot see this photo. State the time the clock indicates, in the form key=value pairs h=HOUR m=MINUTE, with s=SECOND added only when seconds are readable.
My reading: h=6 m=29
